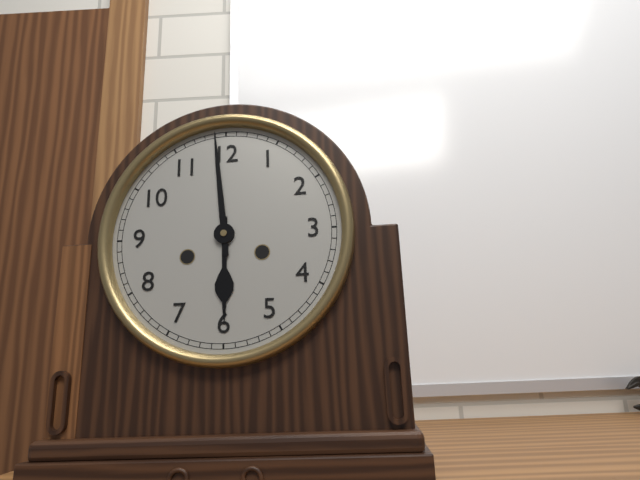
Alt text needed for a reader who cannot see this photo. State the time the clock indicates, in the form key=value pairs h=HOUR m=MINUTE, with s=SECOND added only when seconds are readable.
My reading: h=5 m=59
